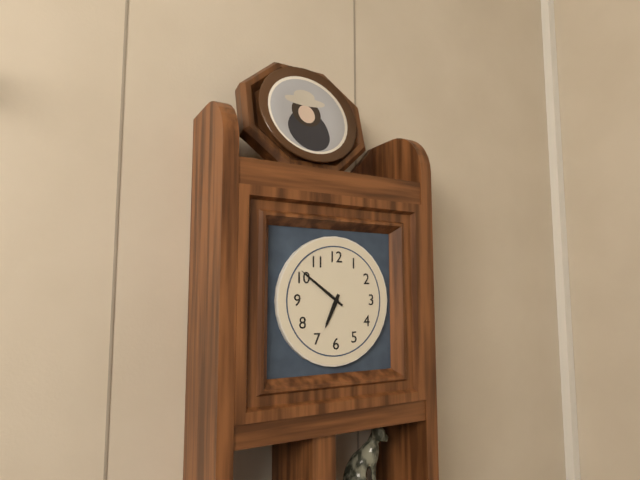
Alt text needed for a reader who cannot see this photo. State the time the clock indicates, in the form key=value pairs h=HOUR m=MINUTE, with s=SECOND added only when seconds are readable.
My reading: h=6 m=51
